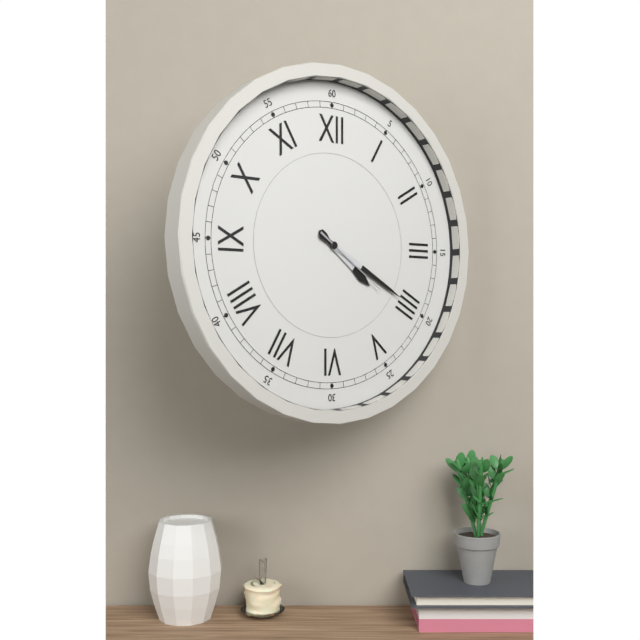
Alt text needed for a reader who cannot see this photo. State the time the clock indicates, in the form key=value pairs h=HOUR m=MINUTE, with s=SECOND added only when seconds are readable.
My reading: h=4 m=20 s=21
